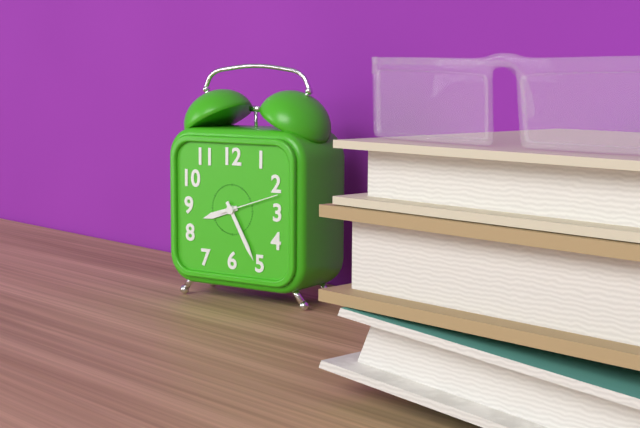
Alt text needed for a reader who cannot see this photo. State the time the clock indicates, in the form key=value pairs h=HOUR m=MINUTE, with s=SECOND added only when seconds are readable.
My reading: h=8 m=25
